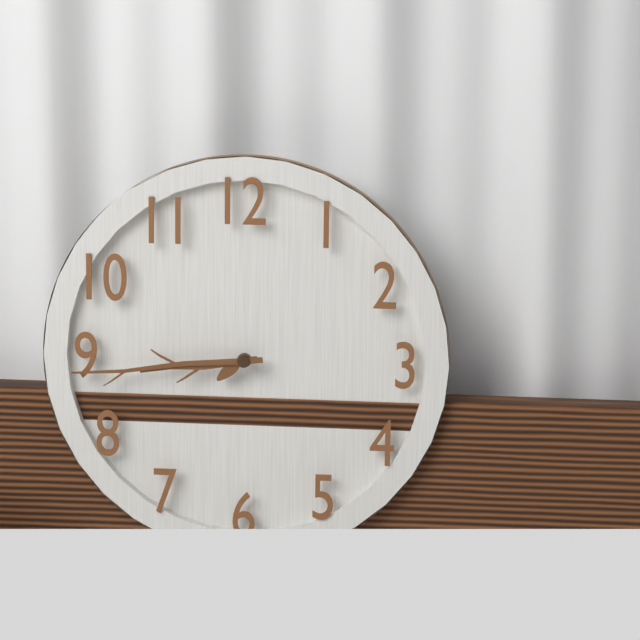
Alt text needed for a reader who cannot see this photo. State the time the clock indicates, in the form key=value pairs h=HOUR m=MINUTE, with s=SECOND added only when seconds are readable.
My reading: h=8 m=44
